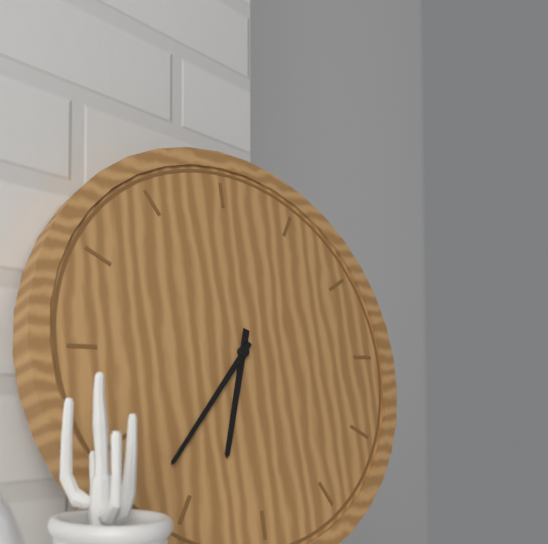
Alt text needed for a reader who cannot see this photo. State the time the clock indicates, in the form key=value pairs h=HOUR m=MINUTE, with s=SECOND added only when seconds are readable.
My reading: h=6 m=37
